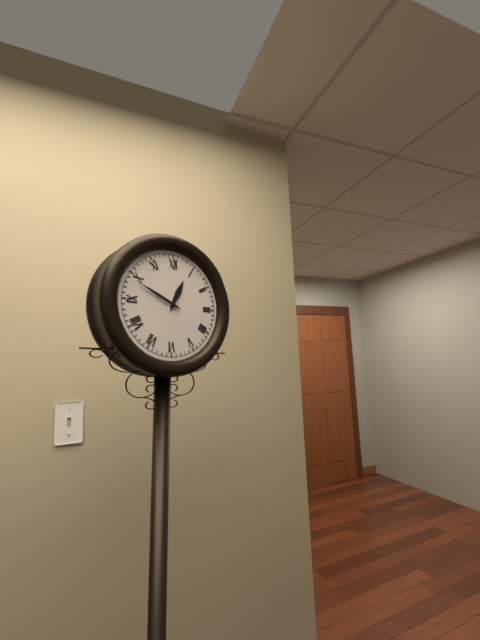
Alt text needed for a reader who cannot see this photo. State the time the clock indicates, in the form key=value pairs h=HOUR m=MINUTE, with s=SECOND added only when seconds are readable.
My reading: h=12 m=49
